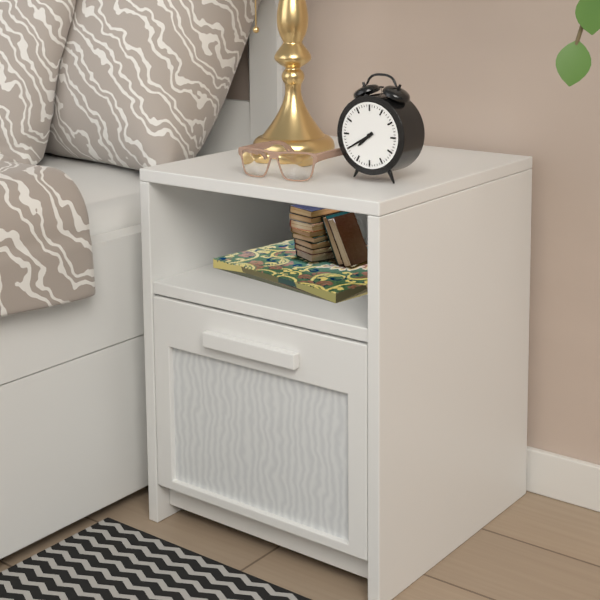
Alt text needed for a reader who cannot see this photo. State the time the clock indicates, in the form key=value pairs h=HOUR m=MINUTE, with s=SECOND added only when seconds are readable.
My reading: h=7 m=40
